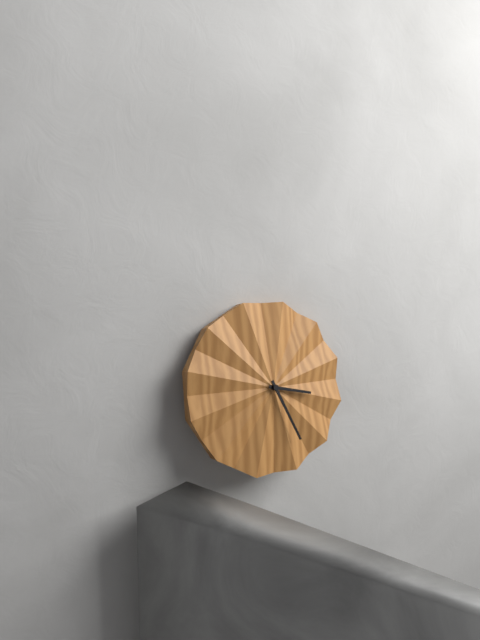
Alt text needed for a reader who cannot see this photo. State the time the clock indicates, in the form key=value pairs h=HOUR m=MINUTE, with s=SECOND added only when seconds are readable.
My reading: h=3 m=26
